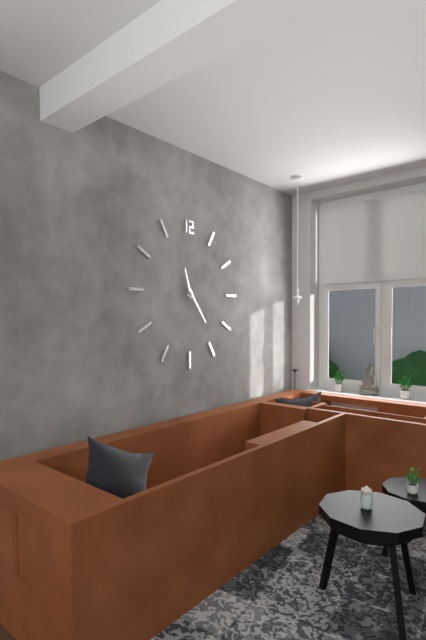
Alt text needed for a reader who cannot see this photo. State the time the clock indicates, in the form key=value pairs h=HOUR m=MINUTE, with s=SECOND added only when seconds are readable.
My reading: h=11 m=24
